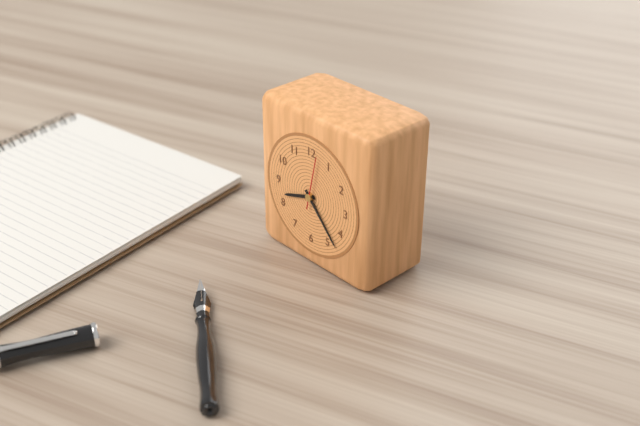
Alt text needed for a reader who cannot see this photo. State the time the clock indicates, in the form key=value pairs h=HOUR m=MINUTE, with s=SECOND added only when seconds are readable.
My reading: h=8 m=23 s=2
